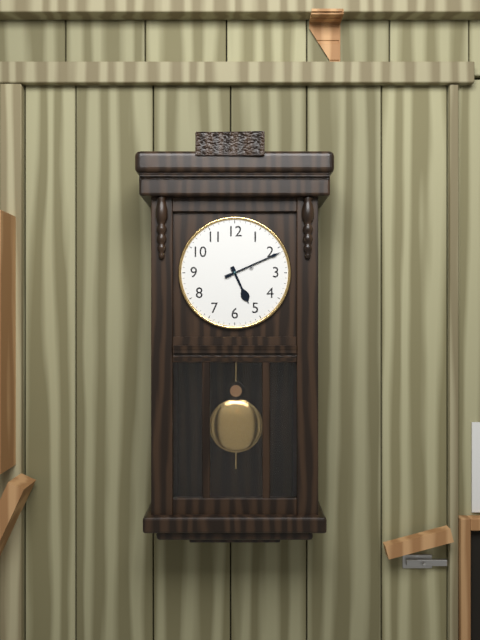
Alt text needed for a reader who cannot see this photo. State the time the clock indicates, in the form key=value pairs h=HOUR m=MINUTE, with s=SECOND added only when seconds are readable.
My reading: h=5 m=11
